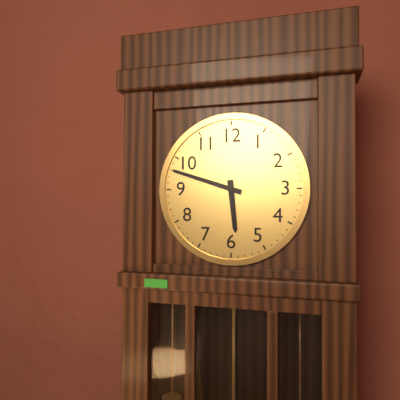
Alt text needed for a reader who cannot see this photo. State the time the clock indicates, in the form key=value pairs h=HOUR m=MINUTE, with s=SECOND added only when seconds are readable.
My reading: h=5 m=48
